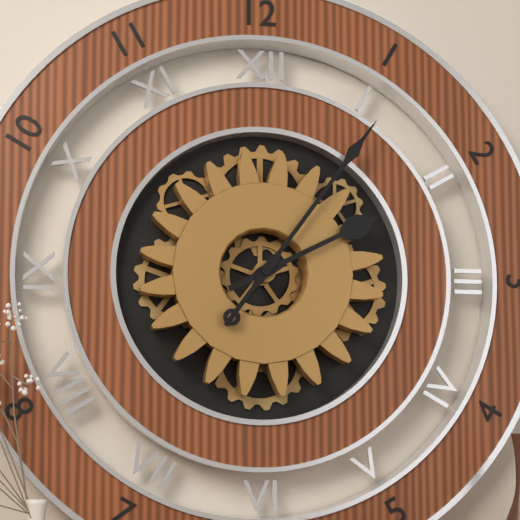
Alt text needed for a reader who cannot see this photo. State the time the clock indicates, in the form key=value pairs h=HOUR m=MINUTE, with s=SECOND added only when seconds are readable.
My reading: h=2 m=6
